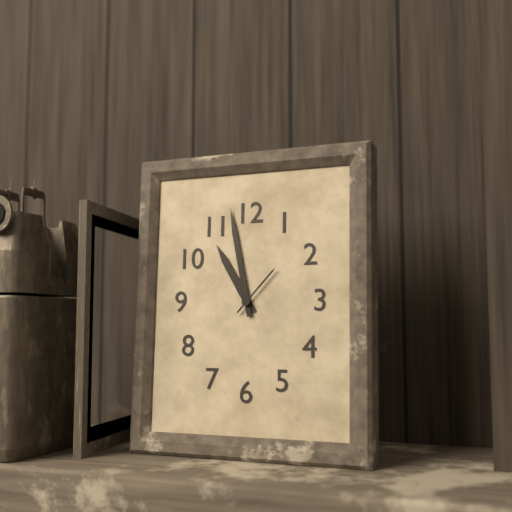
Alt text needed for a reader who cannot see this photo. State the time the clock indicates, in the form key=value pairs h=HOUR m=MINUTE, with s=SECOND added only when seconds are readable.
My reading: h=10 m=58 s=7
